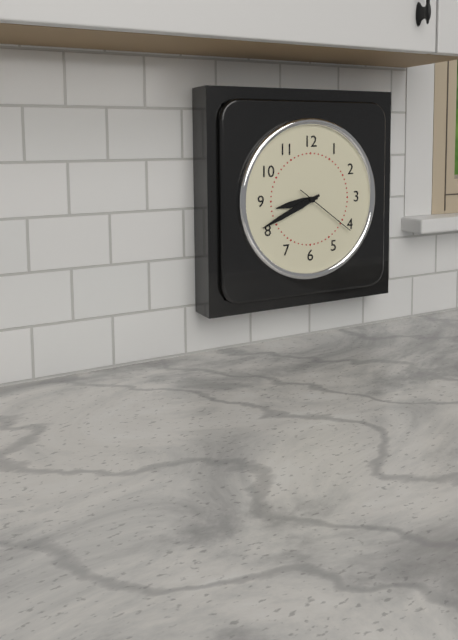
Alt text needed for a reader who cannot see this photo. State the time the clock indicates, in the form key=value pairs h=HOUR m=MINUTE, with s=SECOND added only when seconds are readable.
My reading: h=8 m=41 s=21
